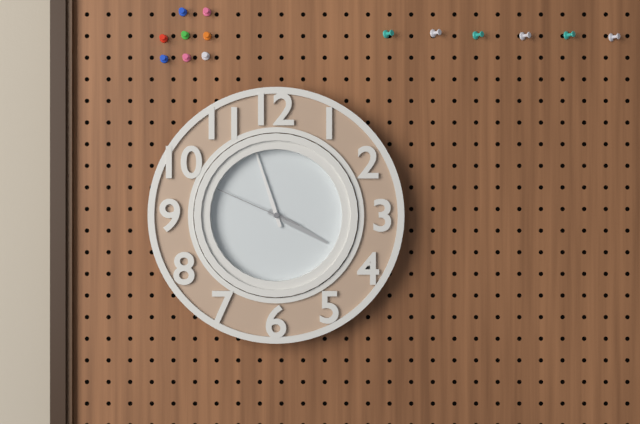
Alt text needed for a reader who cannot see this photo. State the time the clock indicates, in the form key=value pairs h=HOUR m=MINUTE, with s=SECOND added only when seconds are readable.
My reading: h=3 m=57 s=49
